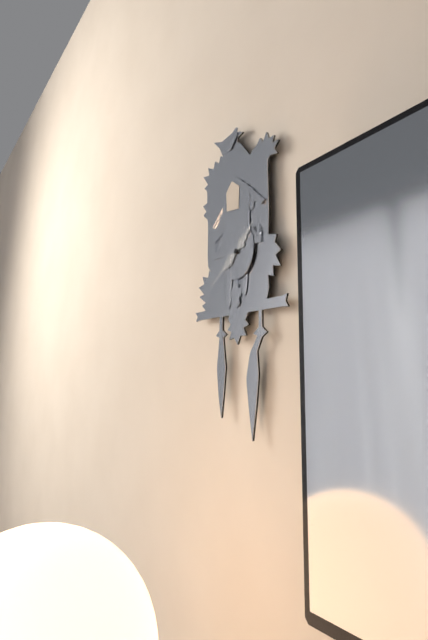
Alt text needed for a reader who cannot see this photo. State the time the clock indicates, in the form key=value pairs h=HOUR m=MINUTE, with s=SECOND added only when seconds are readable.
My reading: h=1 m=40
